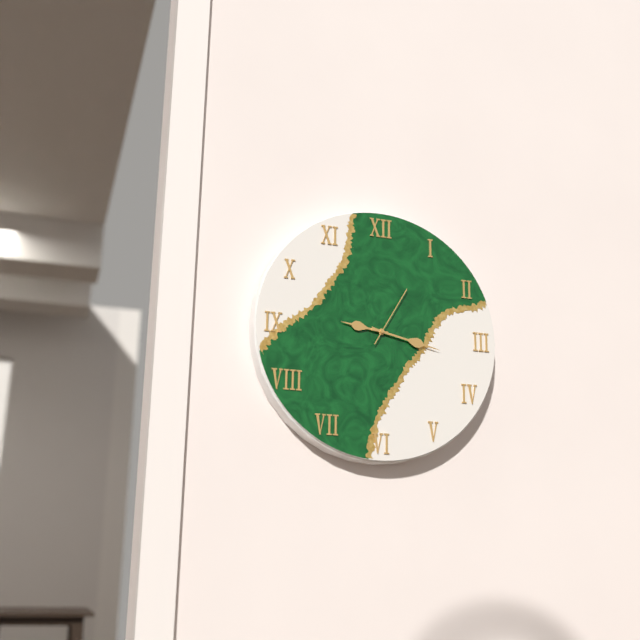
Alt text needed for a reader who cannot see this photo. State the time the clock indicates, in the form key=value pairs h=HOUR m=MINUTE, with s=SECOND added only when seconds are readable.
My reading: h=9 m=17 s=5
